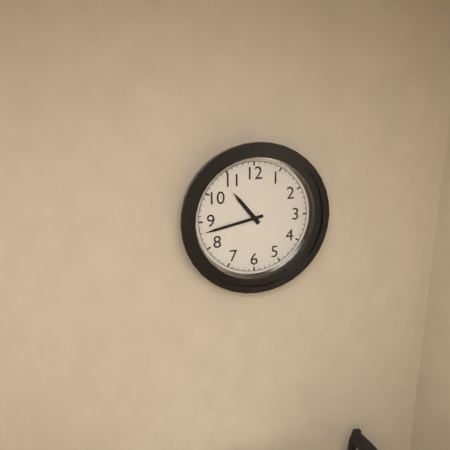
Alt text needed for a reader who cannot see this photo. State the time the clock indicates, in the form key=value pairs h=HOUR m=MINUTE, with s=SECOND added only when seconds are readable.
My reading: h=10 m=43
